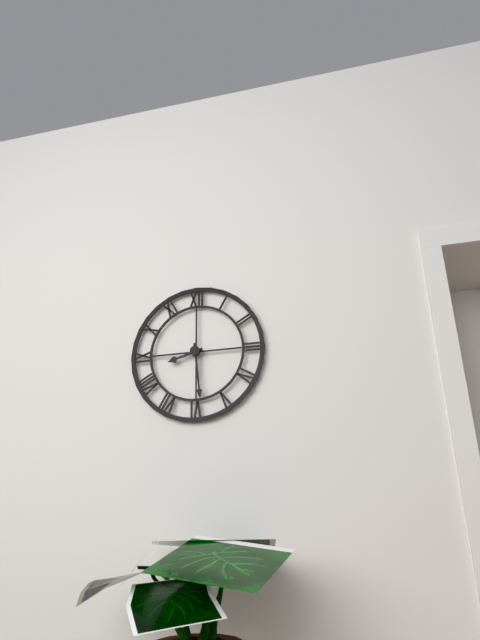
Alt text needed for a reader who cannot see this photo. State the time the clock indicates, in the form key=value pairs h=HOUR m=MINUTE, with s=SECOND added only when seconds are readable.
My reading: h=8 m=29
